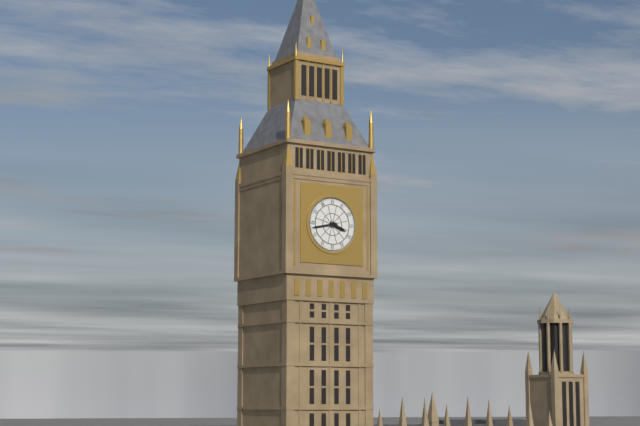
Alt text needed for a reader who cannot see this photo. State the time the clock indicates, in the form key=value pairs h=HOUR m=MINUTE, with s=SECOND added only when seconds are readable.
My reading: h=3 m=43
